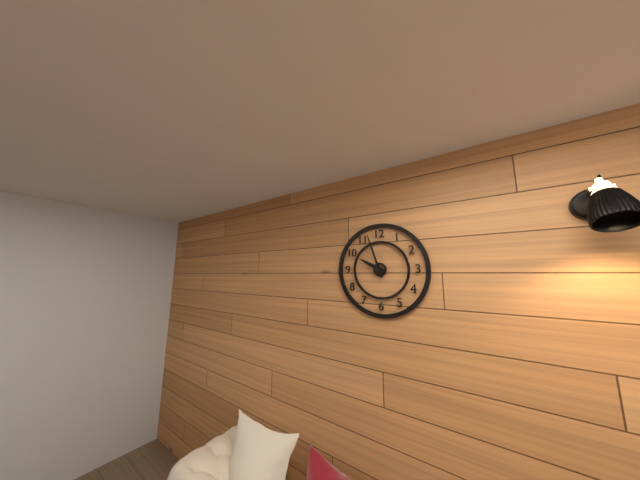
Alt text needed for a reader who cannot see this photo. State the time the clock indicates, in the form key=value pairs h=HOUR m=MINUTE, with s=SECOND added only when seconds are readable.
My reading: h=9 m=57
